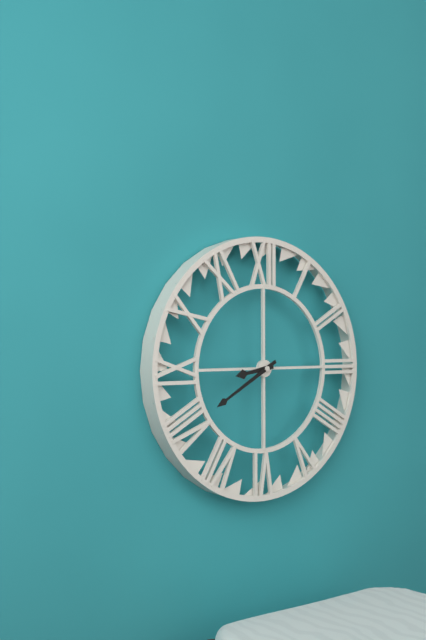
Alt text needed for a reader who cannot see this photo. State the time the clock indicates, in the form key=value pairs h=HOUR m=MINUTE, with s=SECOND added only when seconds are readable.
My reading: h=8 m=40
